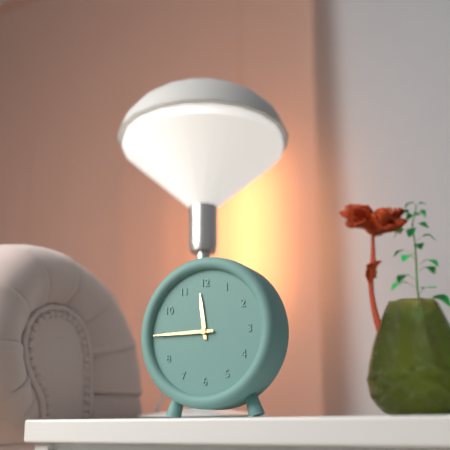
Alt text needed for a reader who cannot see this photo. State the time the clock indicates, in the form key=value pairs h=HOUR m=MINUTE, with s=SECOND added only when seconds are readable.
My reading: h=11 m=45
